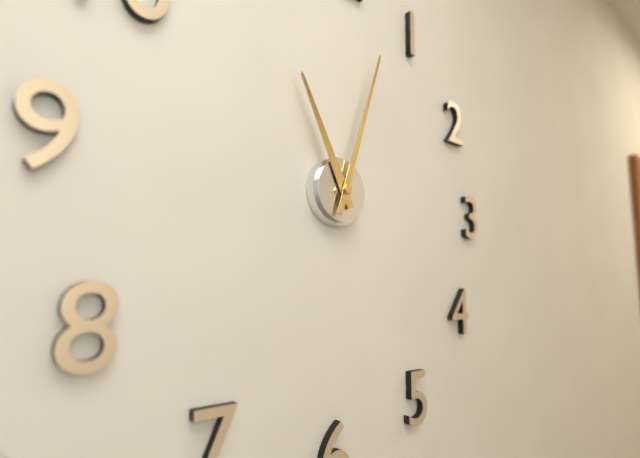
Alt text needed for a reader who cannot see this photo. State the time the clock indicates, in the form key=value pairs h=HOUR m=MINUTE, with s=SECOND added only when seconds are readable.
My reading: h=11 m=3
